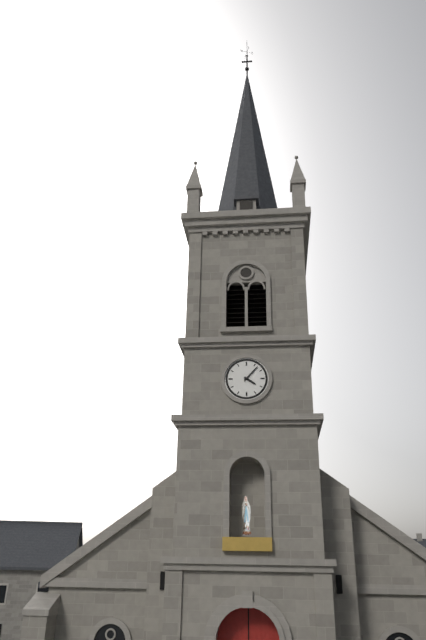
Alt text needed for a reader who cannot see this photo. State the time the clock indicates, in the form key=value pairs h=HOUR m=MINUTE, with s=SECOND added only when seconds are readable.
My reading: h=4 m=7
